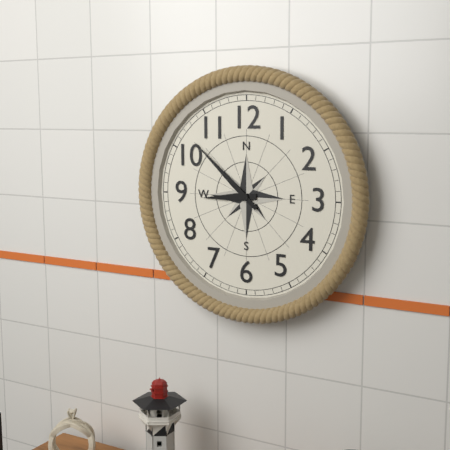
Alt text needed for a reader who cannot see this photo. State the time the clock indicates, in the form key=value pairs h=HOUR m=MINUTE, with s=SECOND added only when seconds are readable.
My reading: h=8 m=52
